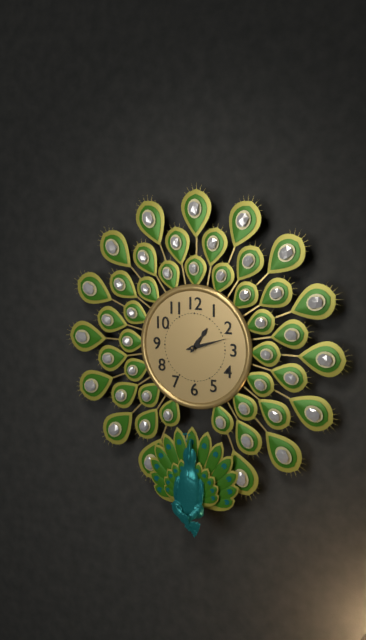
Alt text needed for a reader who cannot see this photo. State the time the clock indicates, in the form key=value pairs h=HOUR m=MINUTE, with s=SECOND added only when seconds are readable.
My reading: h=1 m=12
